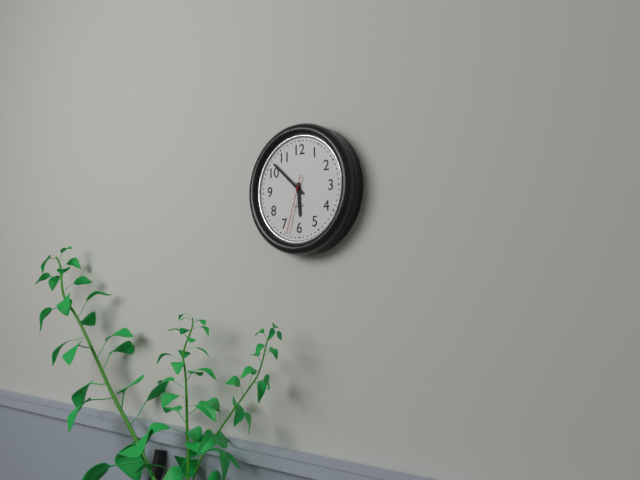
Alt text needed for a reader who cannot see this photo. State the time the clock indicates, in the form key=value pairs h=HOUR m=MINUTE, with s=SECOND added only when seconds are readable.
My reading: h=5 m=52 s=33
